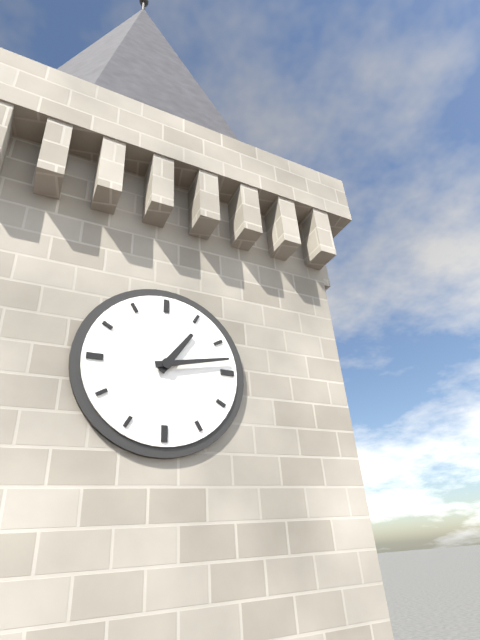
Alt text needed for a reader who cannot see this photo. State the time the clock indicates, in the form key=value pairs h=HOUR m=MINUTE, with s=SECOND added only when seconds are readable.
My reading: h=1 m=13
